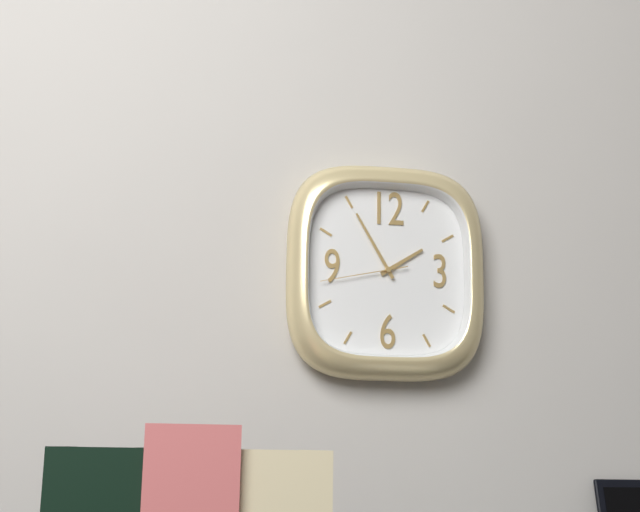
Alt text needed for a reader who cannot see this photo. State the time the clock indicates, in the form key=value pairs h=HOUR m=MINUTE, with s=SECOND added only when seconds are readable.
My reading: h=1 m=55 s=43
